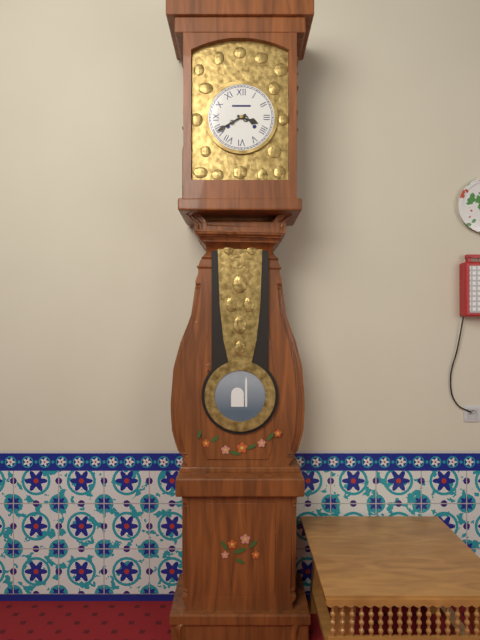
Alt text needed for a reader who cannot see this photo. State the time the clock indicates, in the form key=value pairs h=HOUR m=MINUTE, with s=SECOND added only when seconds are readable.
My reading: h=3 m=40
